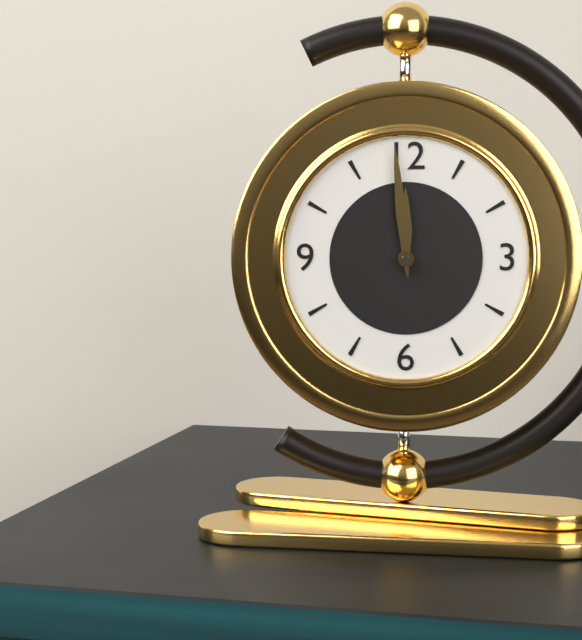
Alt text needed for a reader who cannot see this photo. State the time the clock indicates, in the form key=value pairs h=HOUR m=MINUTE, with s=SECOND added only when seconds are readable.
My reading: h=11 m=59
